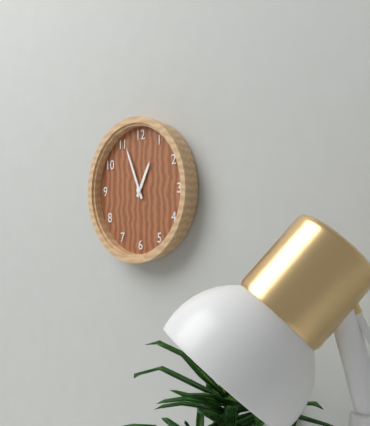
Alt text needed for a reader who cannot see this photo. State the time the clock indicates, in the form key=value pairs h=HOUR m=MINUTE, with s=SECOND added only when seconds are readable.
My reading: h=12 m=56
